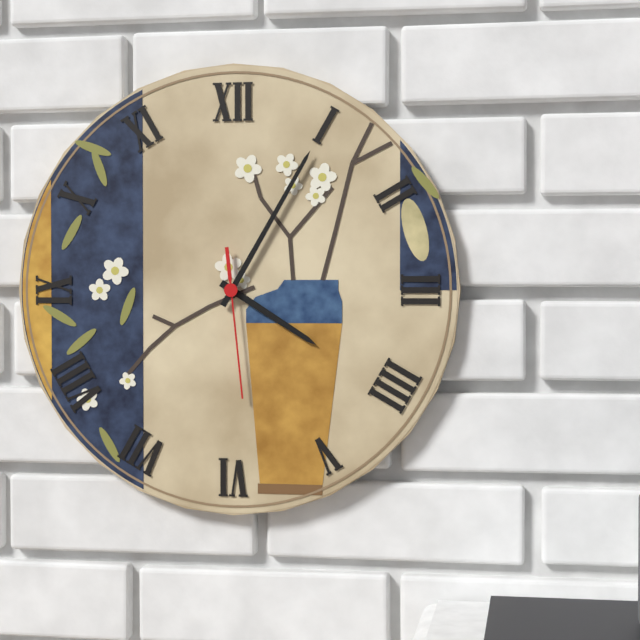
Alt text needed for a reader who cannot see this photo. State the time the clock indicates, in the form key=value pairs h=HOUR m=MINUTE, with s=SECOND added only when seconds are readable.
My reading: h=4 m=5 s=29
